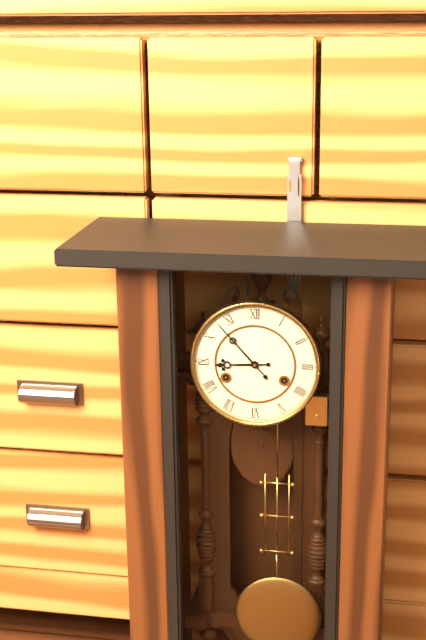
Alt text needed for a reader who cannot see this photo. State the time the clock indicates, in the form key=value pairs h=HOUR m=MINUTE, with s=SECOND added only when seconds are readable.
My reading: h=8 m=53
